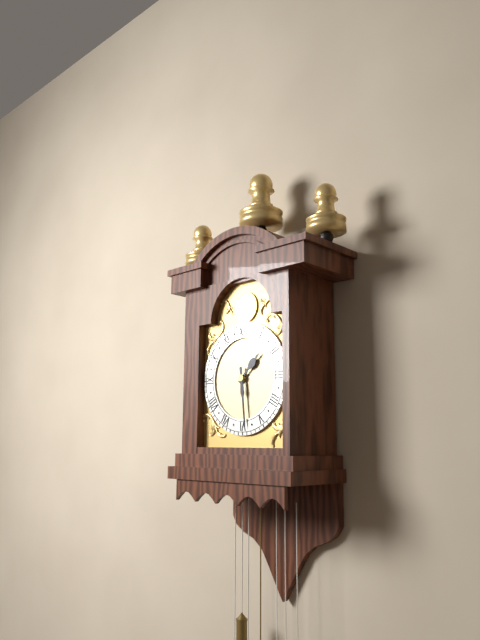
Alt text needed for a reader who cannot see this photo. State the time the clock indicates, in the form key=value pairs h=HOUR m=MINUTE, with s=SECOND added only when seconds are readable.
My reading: h=1 m=29
